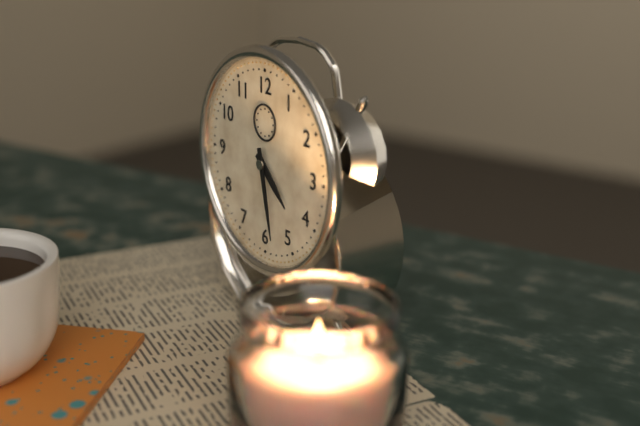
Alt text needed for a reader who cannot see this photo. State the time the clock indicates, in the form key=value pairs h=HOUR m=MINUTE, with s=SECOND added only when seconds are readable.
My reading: h=4 m=28
